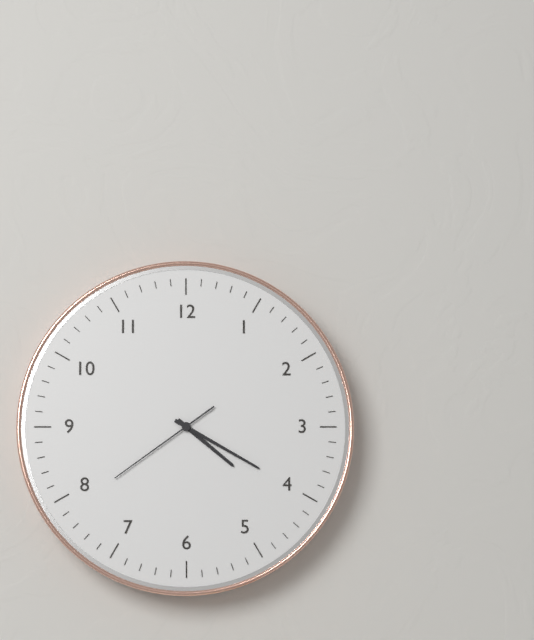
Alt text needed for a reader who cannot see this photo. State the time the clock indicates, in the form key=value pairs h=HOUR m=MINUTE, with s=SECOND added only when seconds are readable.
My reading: h=4 m=20 s=39
